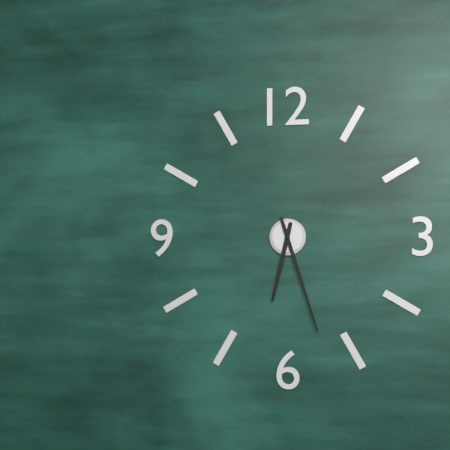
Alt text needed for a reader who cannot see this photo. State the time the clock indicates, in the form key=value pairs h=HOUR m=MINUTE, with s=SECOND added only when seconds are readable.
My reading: h=6 m=27
